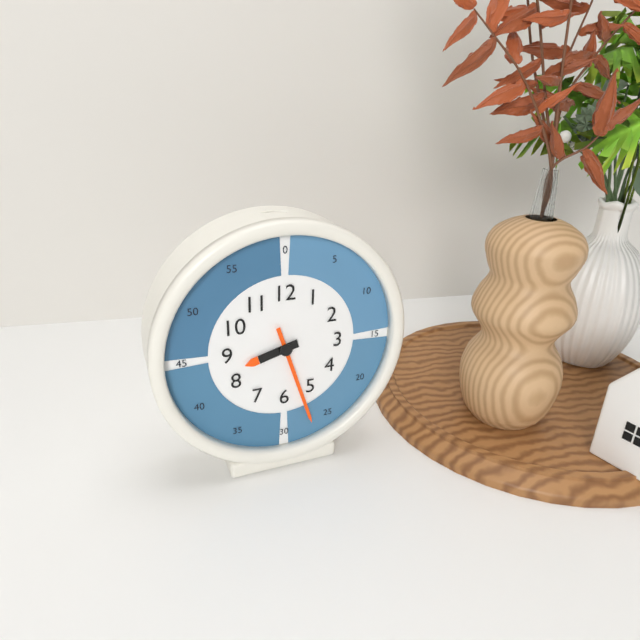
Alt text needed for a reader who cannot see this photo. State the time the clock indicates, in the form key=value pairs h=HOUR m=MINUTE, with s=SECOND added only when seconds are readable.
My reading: h=8 m=27
